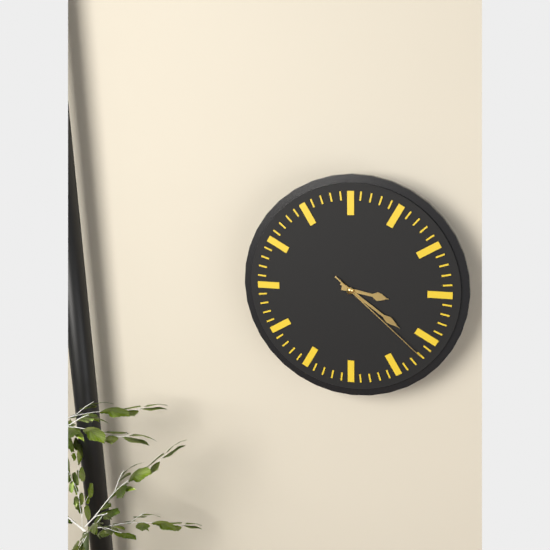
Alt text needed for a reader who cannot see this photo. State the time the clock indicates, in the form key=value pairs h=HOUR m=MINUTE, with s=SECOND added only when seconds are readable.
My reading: h=3 m=21 s=22
